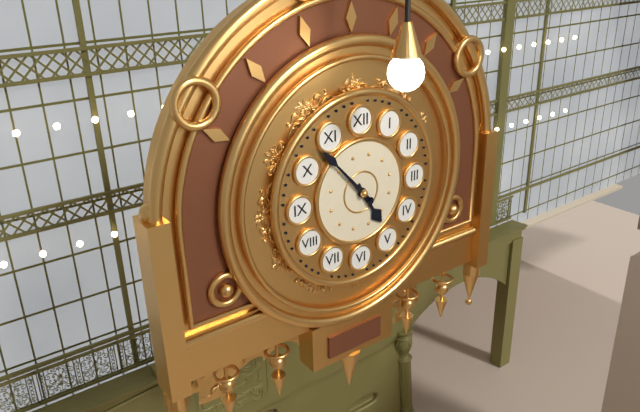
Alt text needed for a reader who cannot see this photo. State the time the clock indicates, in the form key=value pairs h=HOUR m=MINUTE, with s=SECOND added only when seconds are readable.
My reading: h=4 m=53
